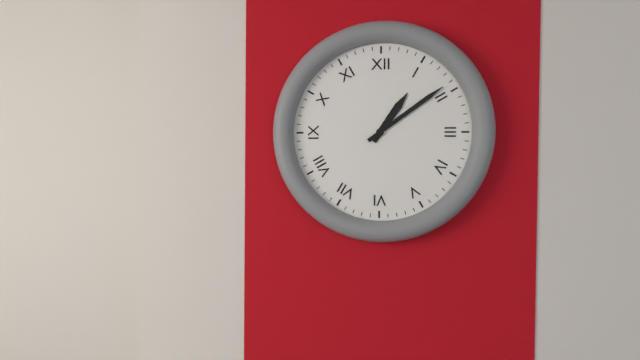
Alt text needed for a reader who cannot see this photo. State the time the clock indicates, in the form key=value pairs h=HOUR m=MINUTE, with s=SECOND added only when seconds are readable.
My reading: h=1 m=9
